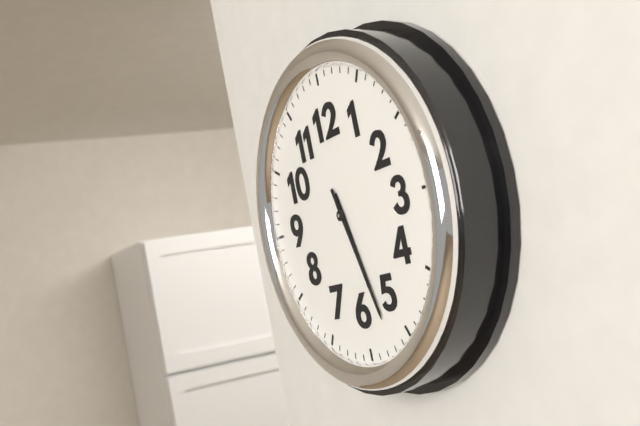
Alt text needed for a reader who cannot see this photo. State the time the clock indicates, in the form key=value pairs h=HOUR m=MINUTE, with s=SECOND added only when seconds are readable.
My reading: h=5 m=27
